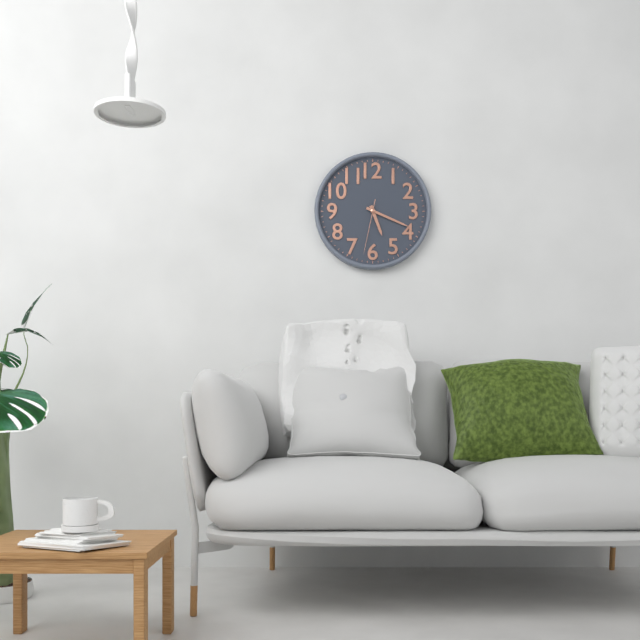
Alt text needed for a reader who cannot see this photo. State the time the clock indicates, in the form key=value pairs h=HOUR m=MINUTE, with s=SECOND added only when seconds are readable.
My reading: h=5 m=19 s=32
